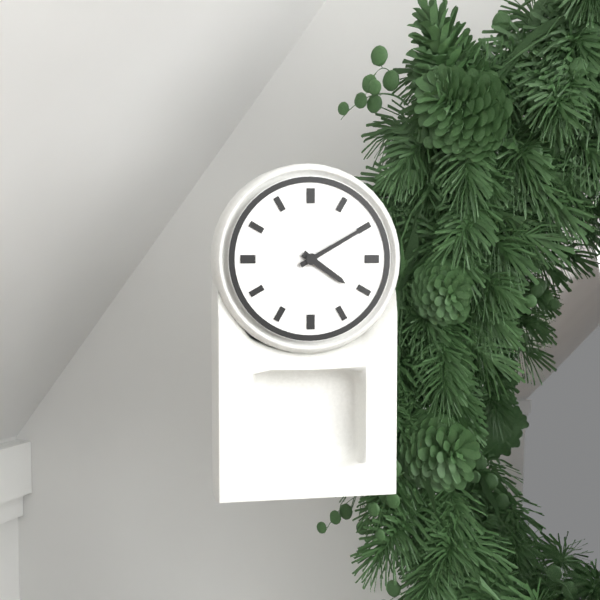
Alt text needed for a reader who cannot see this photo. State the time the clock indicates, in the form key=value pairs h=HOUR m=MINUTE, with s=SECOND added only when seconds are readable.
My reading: h=4 m=10
